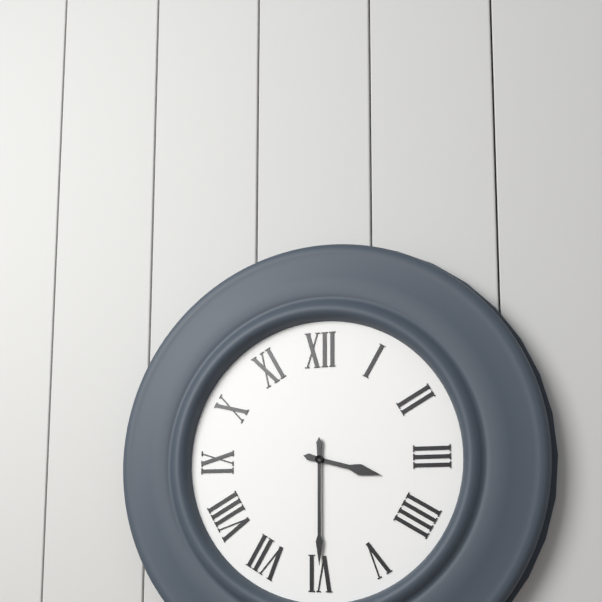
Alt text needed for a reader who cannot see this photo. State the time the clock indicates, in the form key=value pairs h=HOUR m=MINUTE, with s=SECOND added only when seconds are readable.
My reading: h=3 m=30
